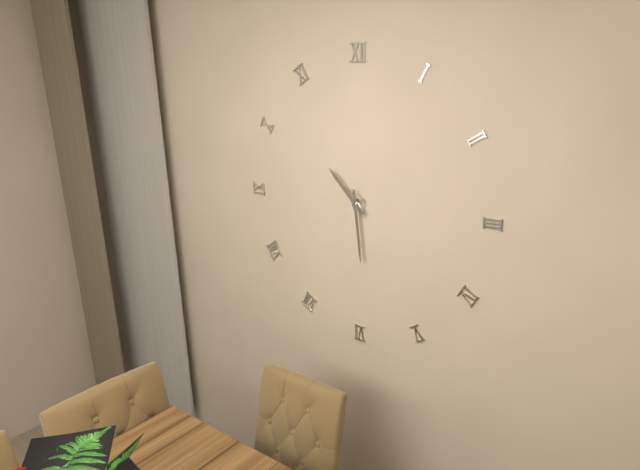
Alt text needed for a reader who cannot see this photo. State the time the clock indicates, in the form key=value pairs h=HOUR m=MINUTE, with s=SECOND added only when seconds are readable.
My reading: h=10 m=29
